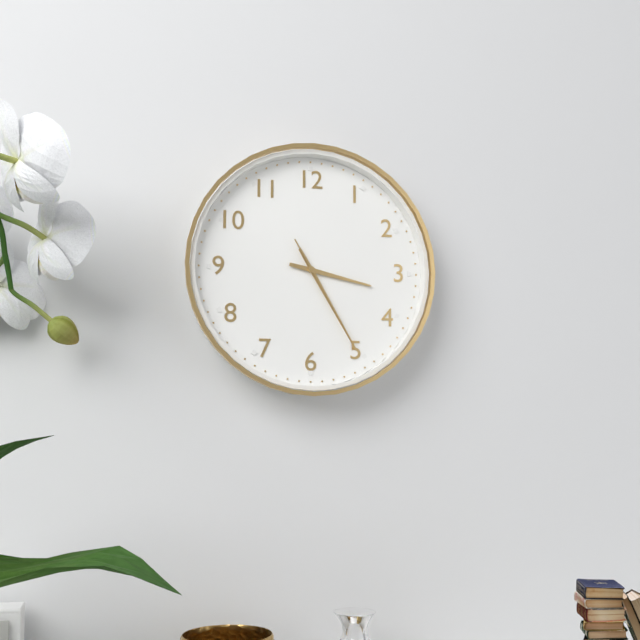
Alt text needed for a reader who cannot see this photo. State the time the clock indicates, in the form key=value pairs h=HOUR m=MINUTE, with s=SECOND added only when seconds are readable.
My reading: h=3 m=25 s=25
